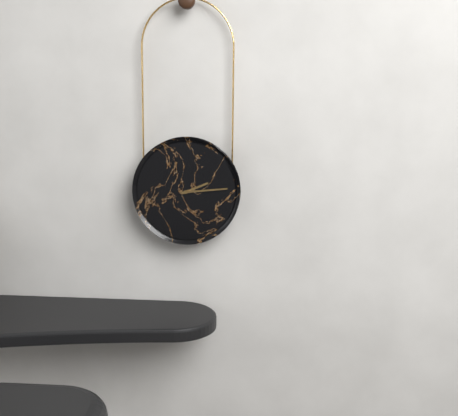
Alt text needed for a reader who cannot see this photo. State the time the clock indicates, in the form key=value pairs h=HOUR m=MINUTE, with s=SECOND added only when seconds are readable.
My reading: h=2 m=14
